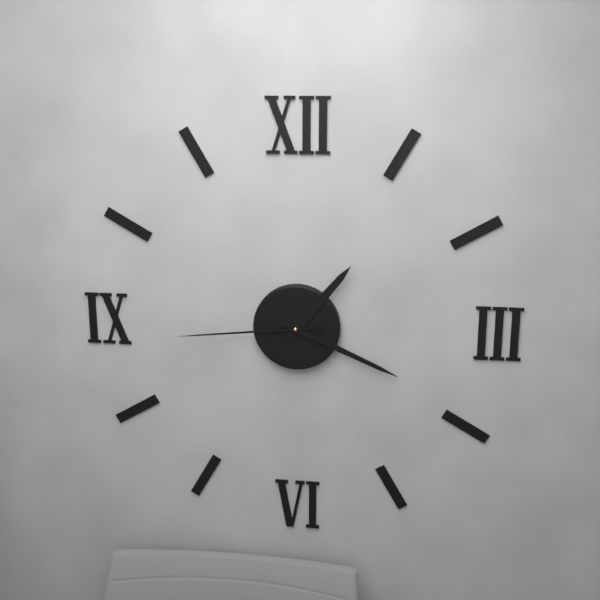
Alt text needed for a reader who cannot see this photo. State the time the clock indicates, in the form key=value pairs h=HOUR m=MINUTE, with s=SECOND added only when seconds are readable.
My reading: h=1 m=19 s=44
